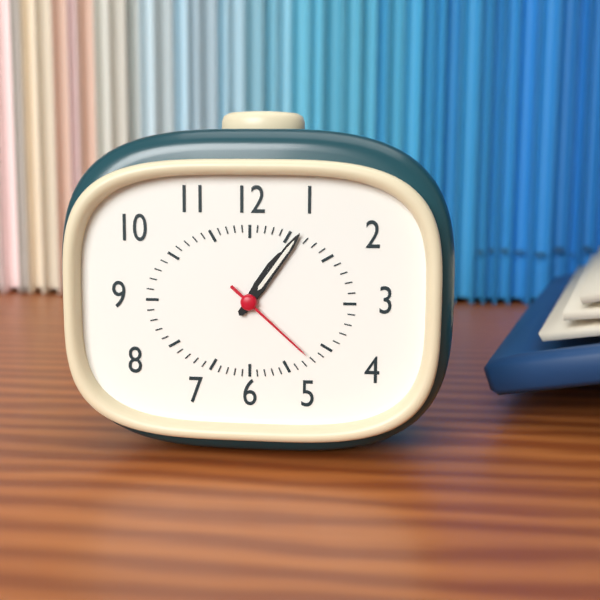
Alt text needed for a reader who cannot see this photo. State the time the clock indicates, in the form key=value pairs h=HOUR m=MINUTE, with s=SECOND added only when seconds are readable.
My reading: h=1 m=6 s=22
